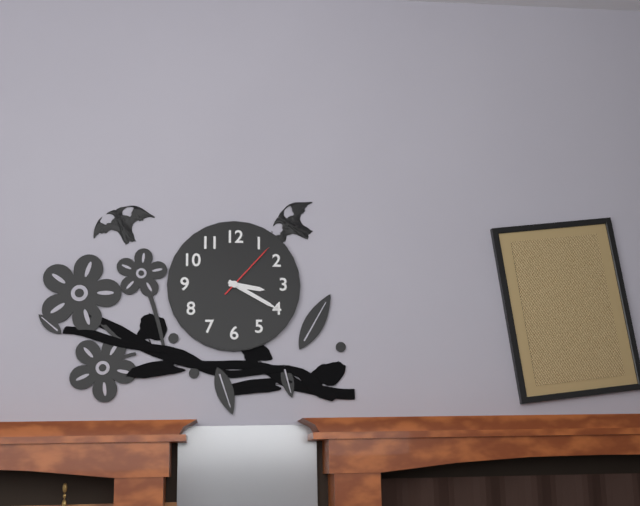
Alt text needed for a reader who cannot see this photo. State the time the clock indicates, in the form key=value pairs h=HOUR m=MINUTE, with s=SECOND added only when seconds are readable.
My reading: h=3 m=20 s=7
